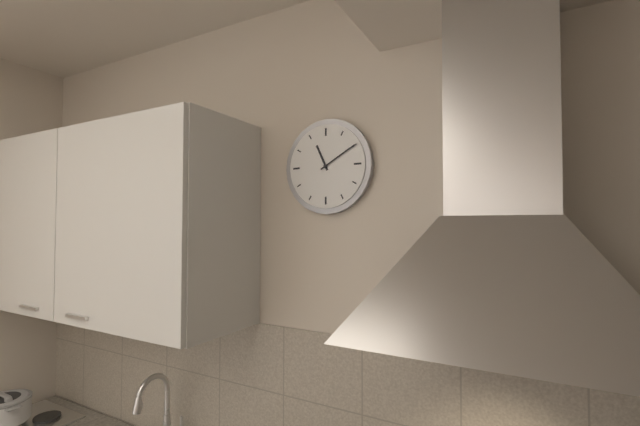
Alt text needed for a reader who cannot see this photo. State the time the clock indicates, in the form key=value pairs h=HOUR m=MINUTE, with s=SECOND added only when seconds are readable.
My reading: h=11 m=10
